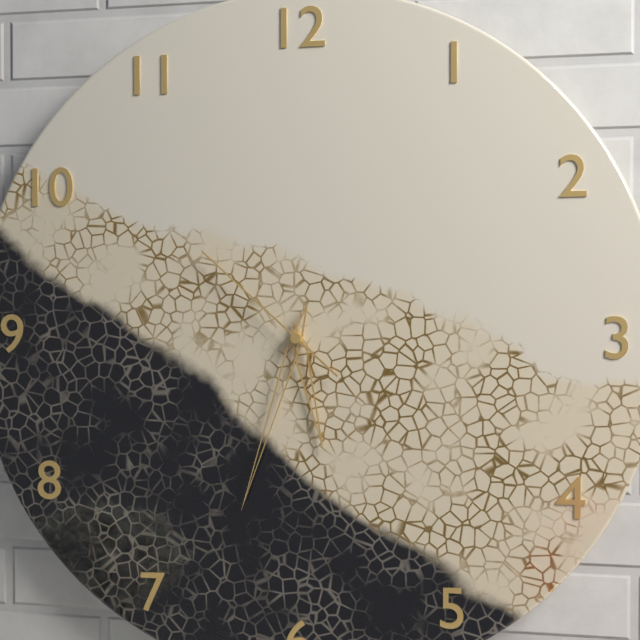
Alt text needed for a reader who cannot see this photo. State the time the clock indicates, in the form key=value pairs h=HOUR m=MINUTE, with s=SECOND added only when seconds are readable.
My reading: h=5 m=33 s=52
